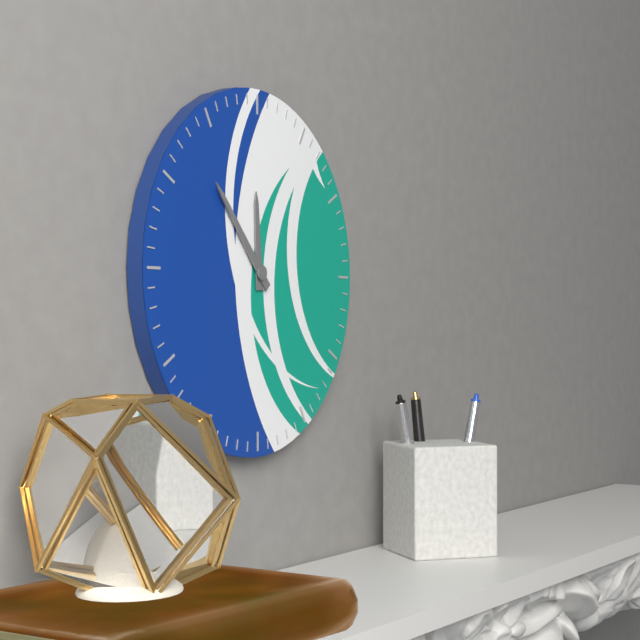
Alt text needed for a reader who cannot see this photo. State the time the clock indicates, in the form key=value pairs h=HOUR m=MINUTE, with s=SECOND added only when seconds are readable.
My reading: h=11 m=53
